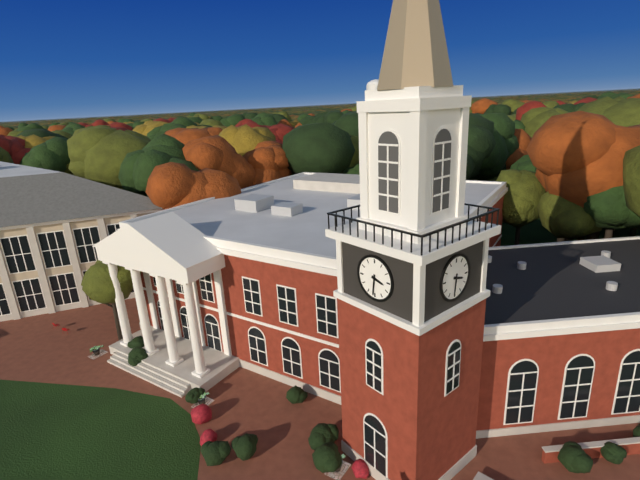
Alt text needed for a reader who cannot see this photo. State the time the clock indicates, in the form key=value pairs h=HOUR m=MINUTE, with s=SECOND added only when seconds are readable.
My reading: h=3 m=31
